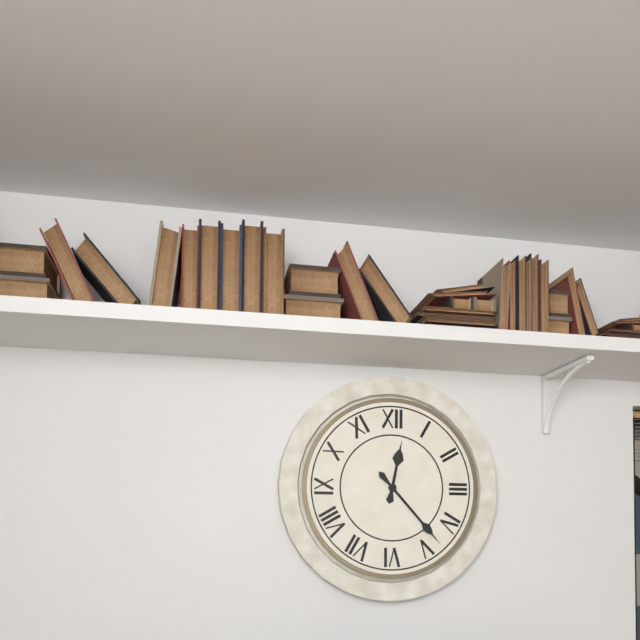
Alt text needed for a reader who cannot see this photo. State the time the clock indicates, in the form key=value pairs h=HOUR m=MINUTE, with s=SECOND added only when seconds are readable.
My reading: h=12 m=23
